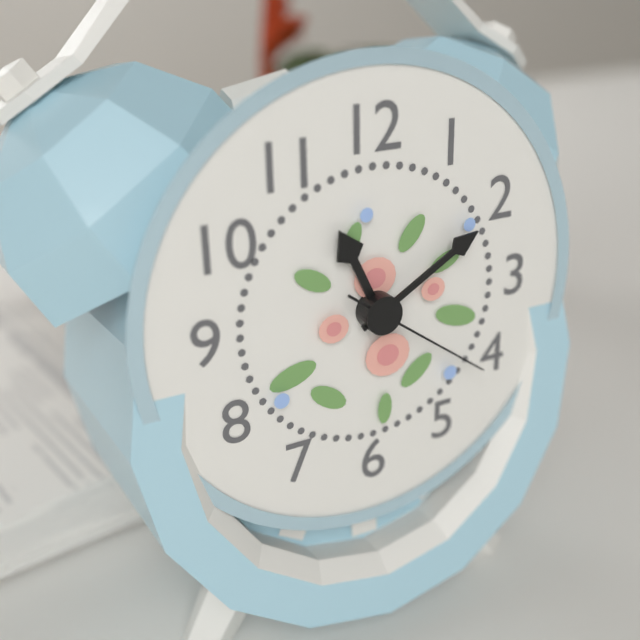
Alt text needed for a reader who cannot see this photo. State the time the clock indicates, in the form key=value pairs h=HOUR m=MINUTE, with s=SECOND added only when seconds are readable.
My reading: h=11 m=10 s=21
